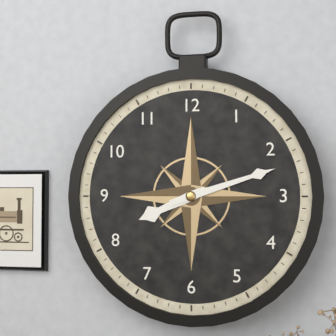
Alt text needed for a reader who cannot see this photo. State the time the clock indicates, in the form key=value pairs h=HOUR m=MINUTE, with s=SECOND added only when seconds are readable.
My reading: h=8 m=12
